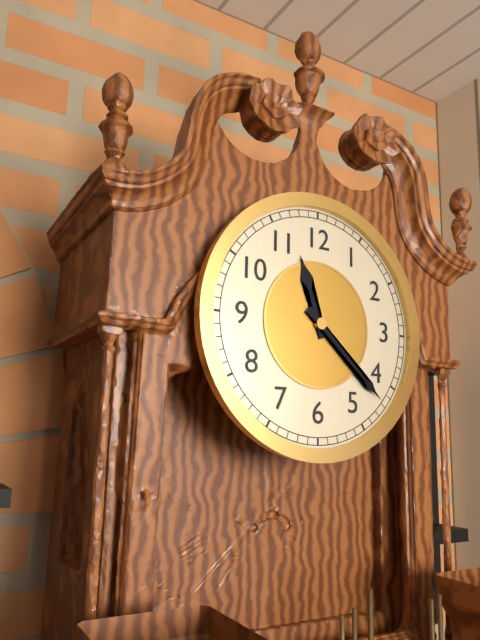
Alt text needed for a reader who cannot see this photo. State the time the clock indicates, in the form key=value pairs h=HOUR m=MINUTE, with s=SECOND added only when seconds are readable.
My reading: h=11 m=22
